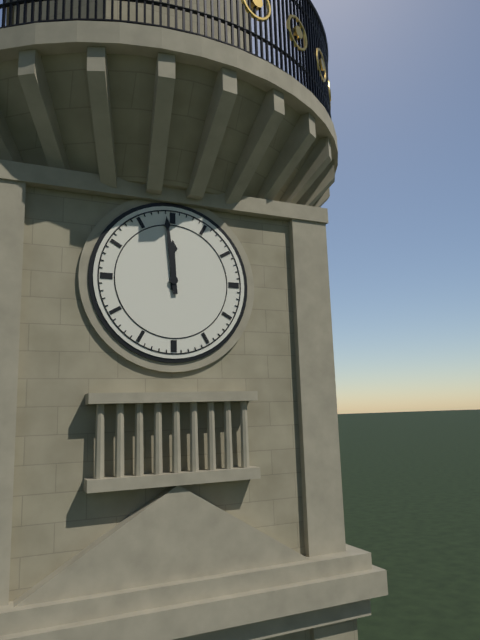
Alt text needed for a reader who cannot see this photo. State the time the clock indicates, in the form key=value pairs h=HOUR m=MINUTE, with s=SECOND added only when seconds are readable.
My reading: h=11 m=59
